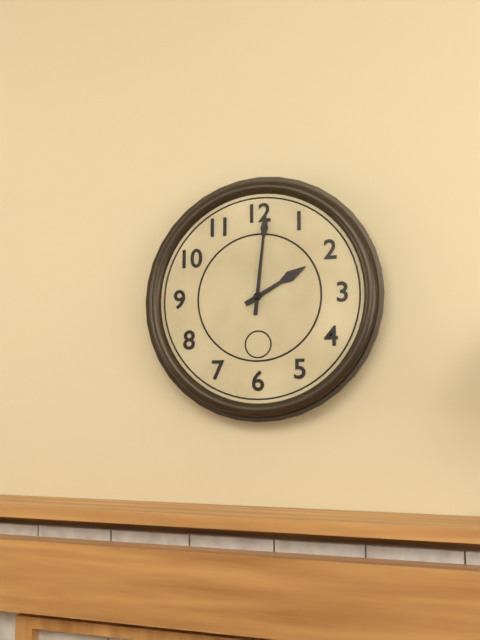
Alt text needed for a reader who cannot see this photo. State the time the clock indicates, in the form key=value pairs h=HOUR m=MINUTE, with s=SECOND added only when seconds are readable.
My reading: h=2 m=1
